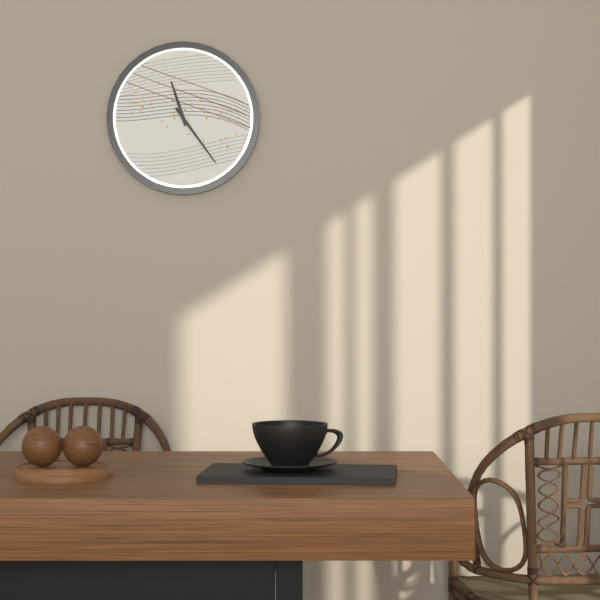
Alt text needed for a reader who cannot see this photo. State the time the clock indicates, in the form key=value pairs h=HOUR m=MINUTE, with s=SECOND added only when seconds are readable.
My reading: h=11 m=24
